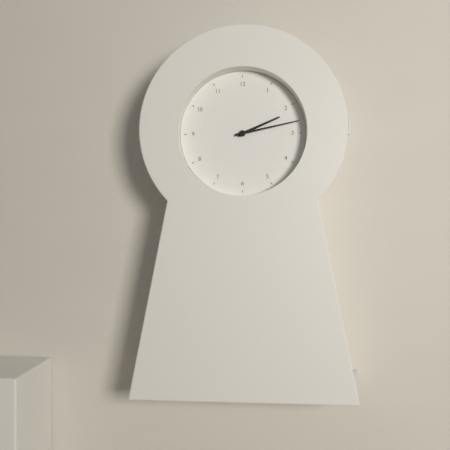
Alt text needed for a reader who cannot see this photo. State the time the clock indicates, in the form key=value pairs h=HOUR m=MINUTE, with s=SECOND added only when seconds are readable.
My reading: h=2 m=13
